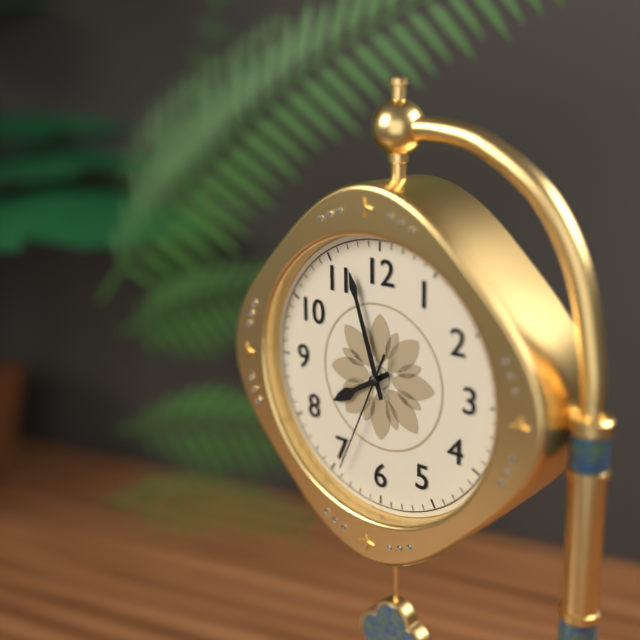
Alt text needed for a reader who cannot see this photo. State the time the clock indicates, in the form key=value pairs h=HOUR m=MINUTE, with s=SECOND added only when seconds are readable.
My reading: h=7 m=57 s=34
